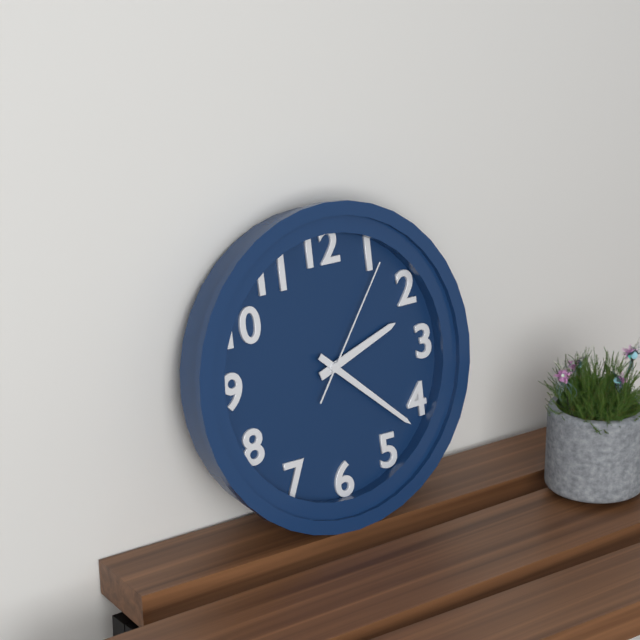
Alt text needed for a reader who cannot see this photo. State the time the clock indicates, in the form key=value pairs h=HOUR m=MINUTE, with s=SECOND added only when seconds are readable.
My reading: h=2 m=22 s=6
